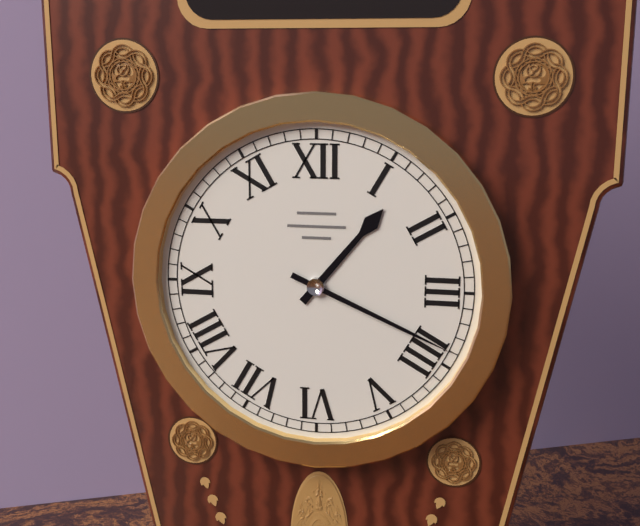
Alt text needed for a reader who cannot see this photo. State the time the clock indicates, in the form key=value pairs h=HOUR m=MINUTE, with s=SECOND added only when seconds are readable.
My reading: h=1 m=19
